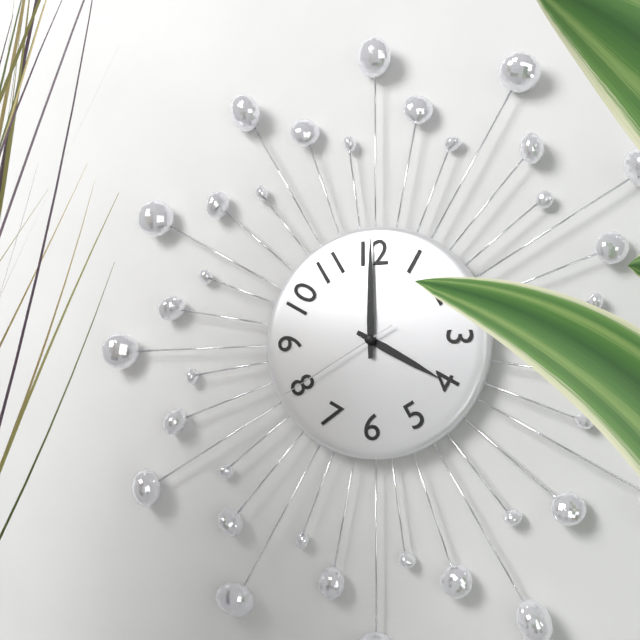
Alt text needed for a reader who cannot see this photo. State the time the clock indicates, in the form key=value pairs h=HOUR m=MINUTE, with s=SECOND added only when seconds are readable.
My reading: h=4 m=0 s=40
